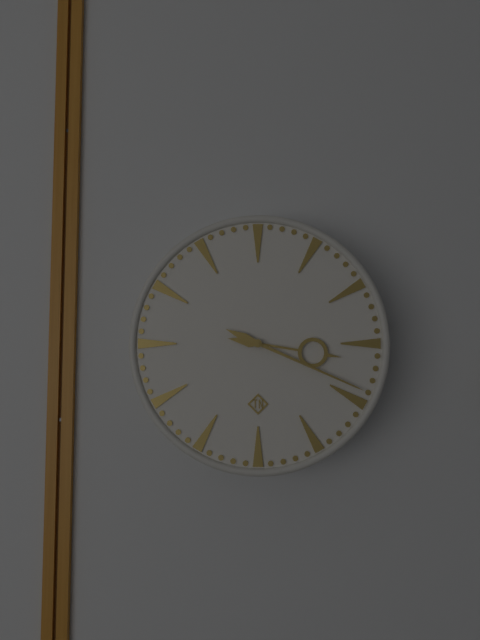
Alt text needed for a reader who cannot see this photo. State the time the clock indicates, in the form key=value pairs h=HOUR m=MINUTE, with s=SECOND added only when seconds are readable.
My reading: h=3 m=19
